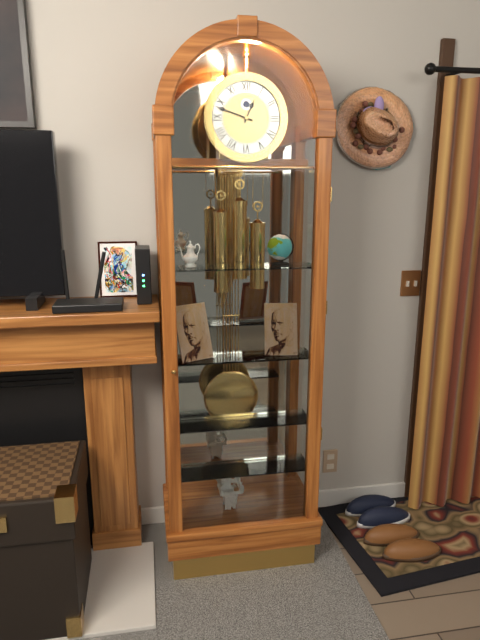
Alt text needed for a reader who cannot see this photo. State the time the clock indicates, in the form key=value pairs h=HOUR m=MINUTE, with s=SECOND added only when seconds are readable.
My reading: h=12 m=48
